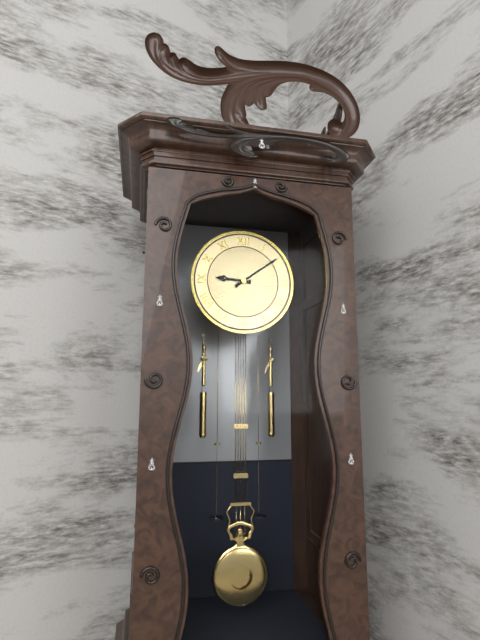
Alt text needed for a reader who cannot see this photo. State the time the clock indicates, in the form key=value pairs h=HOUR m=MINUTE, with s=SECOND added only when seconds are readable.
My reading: h=9 m=9
